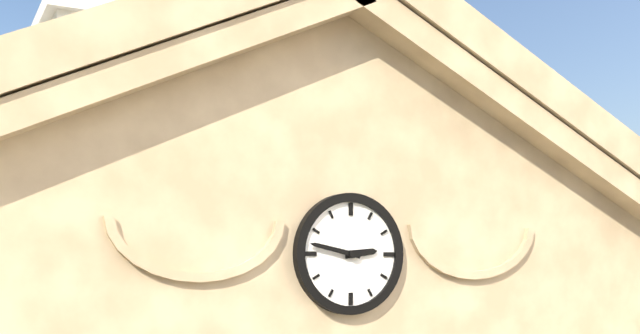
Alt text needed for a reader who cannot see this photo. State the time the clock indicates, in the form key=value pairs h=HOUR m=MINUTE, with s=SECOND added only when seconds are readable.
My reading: h=2 m=47
